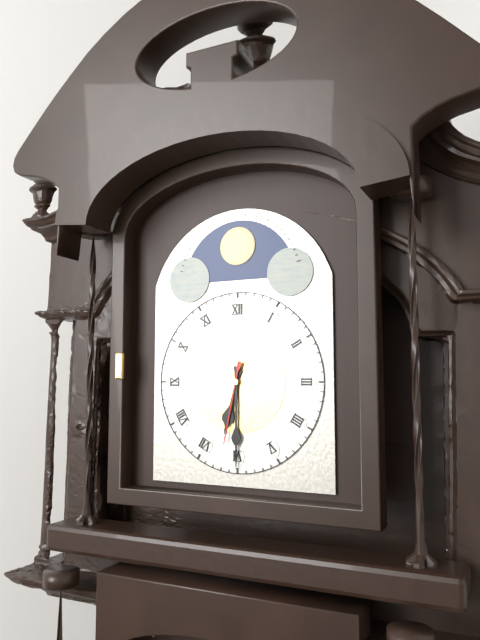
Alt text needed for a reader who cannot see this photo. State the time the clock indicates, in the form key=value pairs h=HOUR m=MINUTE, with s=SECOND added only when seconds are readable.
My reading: h=6 m=30 s=32
